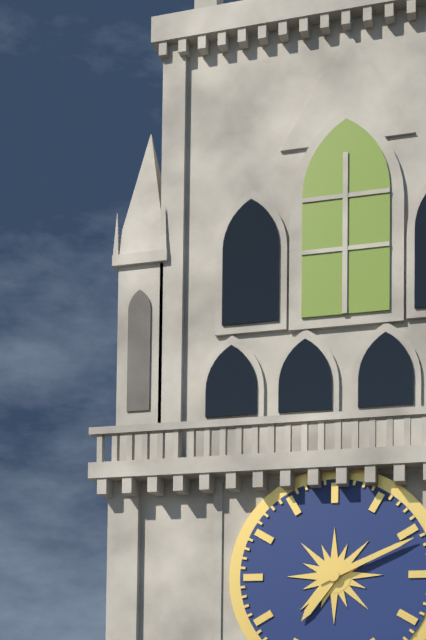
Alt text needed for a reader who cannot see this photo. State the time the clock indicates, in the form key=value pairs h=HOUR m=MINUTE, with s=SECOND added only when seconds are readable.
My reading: h=7 m=11
